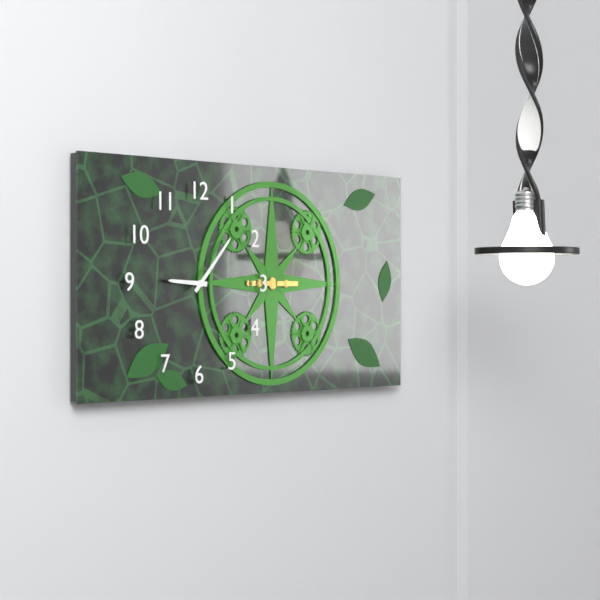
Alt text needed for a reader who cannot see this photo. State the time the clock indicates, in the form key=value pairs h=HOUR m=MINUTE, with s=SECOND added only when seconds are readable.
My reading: h=9 m=7
